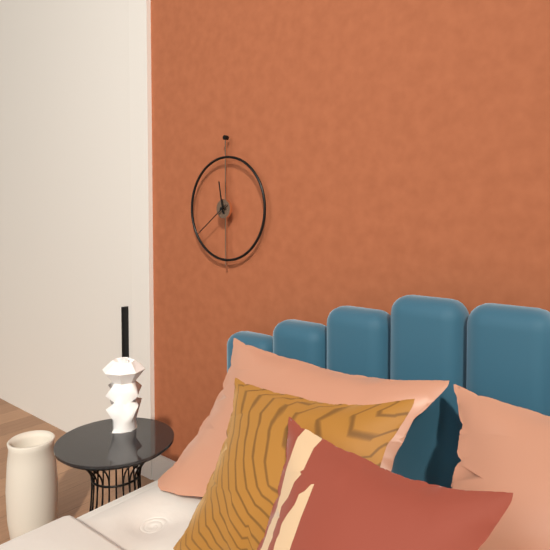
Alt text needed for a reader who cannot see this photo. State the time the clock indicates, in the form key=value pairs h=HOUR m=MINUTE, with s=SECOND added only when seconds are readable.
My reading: h=11 m=39
